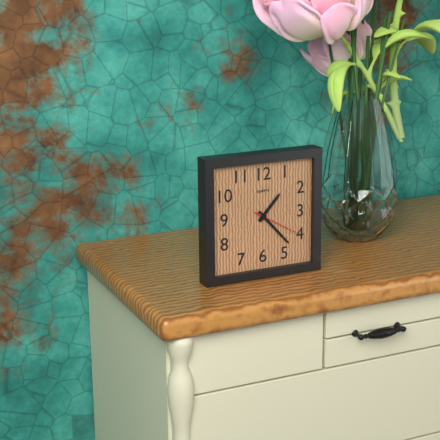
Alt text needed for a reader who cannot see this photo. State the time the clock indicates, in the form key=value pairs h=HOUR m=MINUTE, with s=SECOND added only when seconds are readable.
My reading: h=1 m=23
